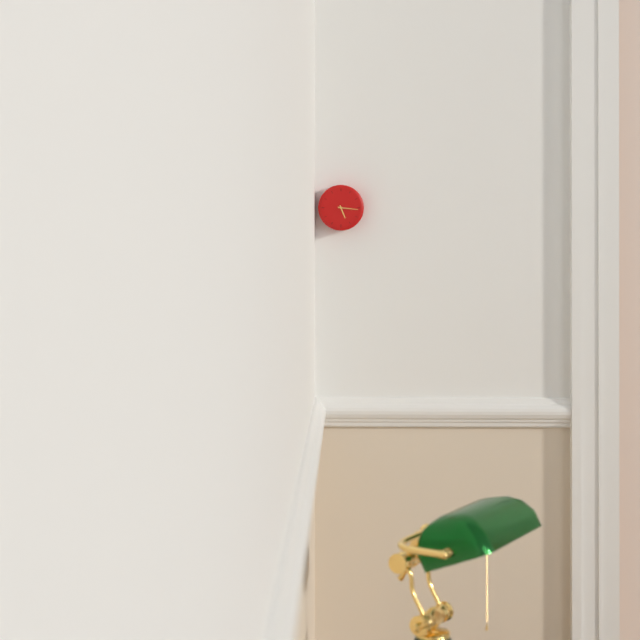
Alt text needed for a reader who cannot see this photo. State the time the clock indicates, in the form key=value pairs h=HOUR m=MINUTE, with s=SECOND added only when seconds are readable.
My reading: h=5 m=16
